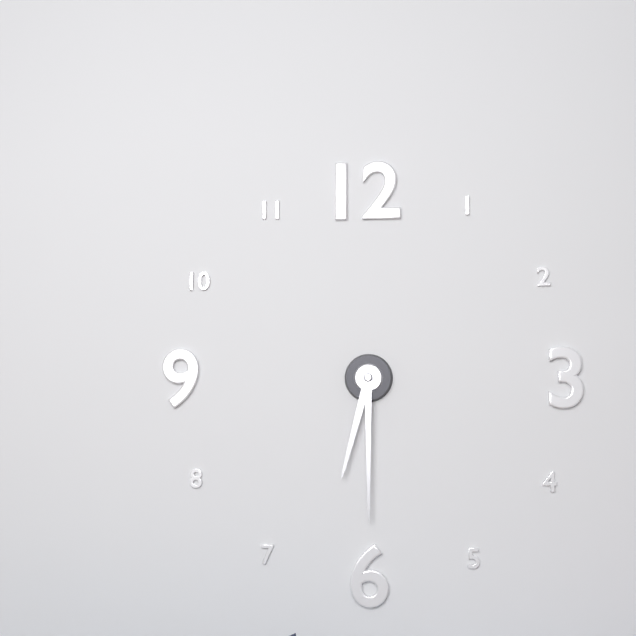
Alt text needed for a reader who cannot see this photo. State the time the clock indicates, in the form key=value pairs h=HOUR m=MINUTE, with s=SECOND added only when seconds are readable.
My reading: h=6 m=30
